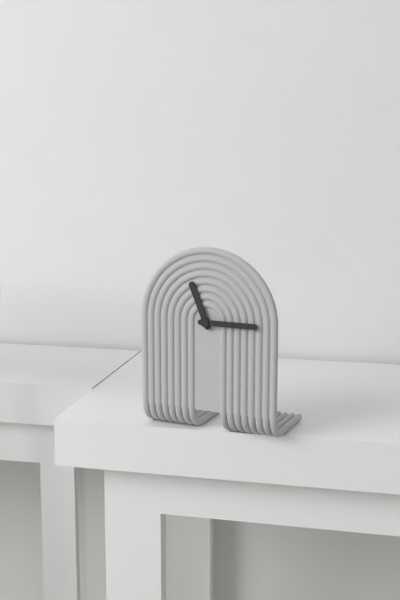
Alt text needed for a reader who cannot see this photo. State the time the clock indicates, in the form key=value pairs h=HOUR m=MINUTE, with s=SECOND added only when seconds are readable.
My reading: h=11 m=15
